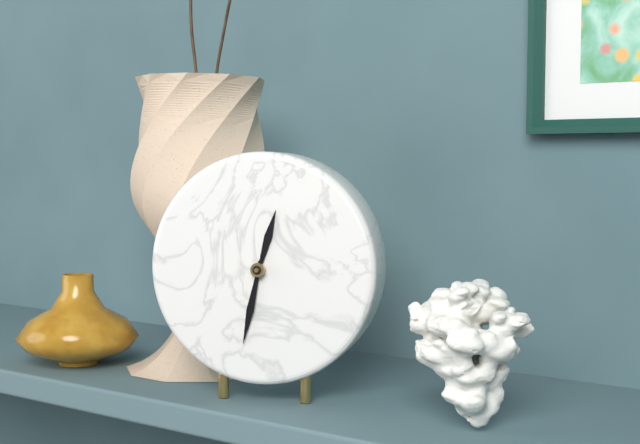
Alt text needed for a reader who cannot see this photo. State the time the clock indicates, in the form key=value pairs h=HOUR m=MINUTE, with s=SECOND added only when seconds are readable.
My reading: h=12 m=32
